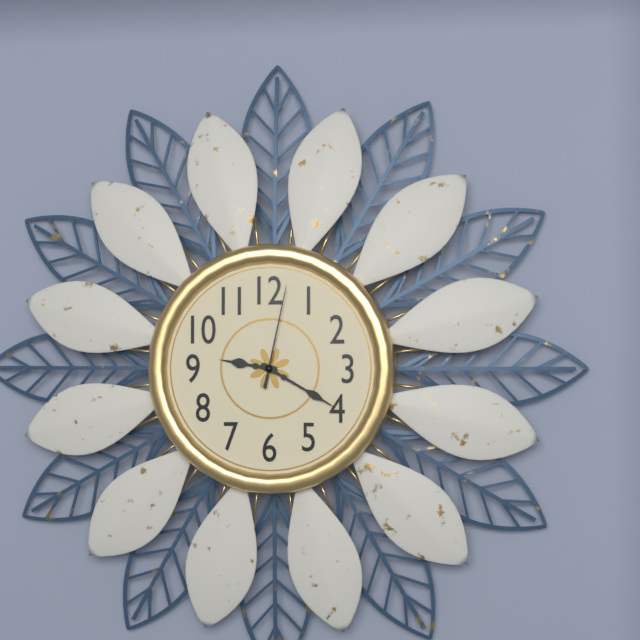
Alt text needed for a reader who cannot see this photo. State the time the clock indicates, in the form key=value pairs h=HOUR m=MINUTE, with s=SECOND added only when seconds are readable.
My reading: h=9 m=20 s=2
